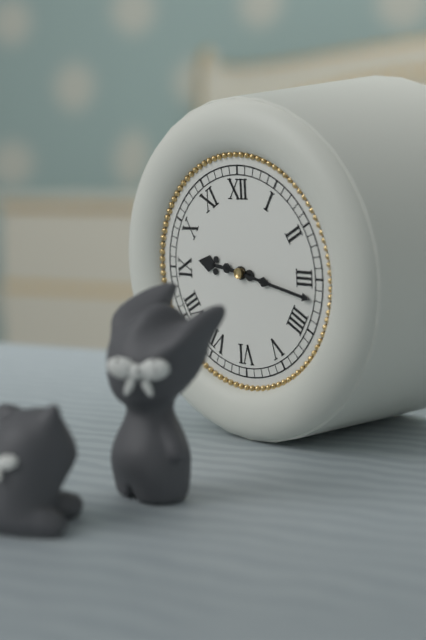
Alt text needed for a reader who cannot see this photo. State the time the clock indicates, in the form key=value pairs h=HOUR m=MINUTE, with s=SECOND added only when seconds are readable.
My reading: h=9 m=17
